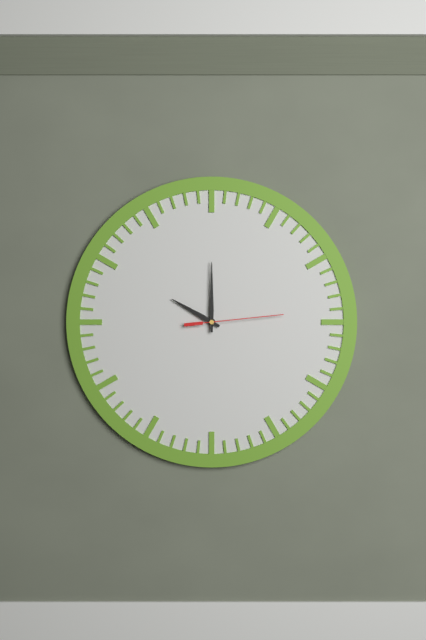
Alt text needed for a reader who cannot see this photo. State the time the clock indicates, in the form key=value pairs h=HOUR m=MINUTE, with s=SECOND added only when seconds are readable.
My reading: h=10 m=0 s=14
